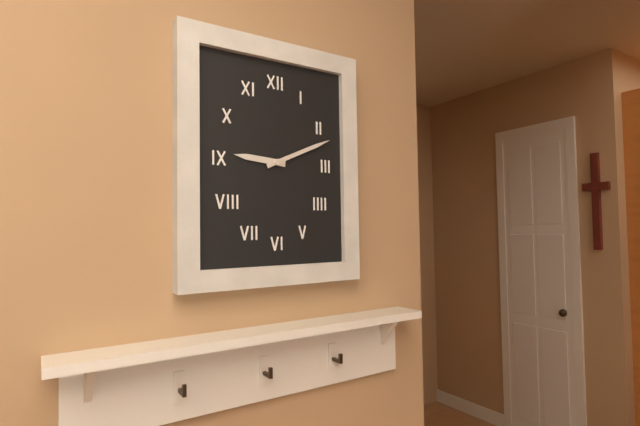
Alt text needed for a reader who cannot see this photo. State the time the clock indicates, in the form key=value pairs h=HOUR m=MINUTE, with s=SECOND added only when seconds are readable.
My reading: h=9 m=11
